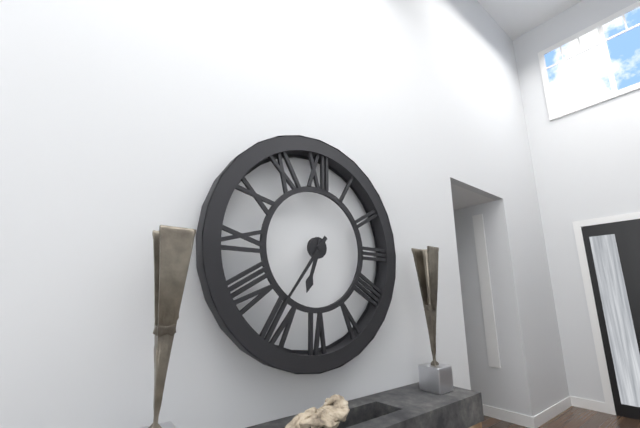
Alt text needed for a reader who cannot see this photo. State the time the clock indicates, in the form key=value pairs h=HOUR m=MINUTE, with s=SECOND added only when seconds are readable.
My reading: h=6 m=36
